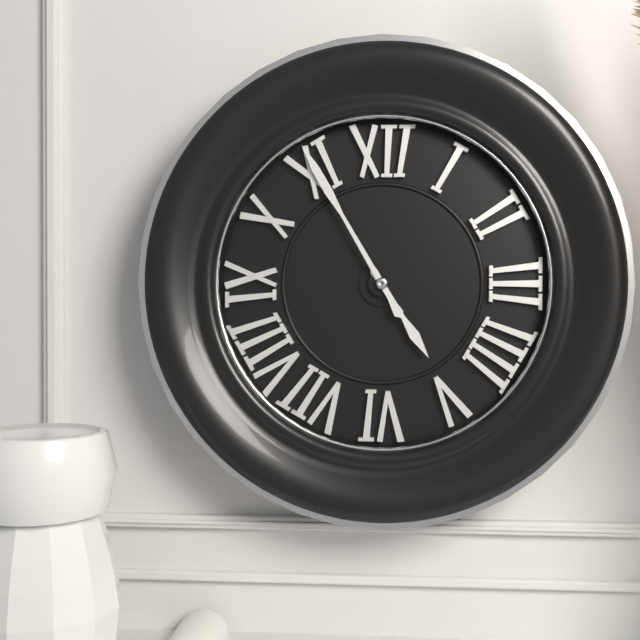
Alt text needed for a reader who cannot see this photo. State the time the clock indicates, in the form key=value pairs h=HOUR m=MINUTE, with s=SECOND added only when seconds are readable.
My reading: h=4 m=55
